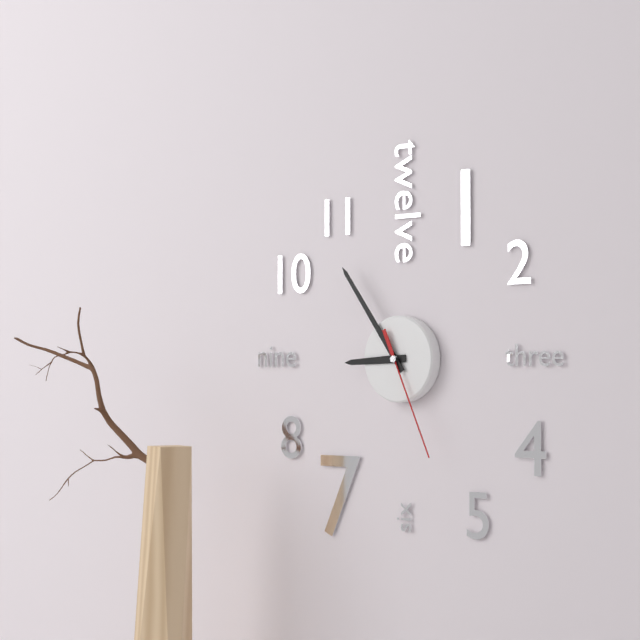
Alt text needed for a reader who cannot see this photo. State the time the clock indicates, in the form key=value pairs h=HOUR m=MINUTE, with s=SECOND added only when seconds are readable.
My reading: h=8 m=54 s=26
